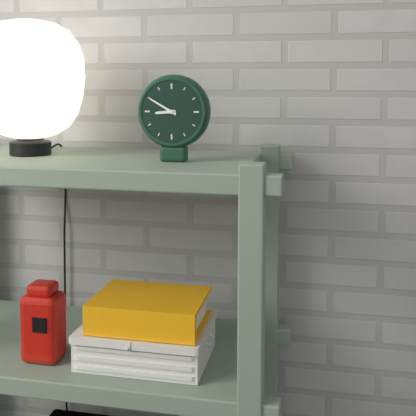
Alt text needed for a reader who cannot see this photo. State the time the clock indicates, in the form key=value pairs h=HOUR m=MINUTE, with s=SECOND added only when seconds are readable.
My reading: h=8 m=50
